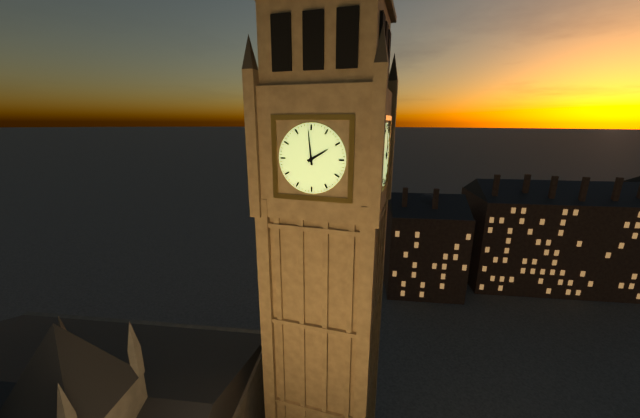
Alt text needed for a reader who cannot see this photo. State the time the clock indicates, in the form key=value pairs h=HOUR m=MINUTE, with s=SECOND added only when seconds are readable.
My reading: h=1 m=59
